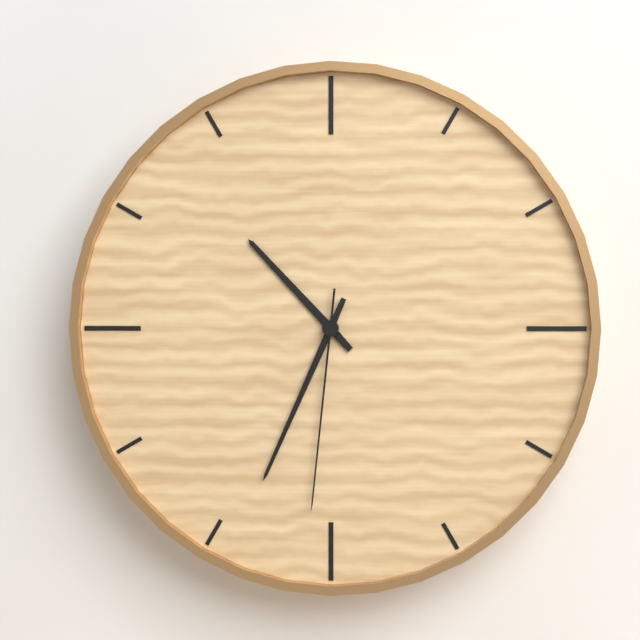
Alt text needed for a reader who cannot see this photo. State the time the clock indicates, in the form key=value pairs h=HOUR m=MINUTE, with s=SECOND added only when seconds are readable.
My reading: h=10 m=34 s=31
